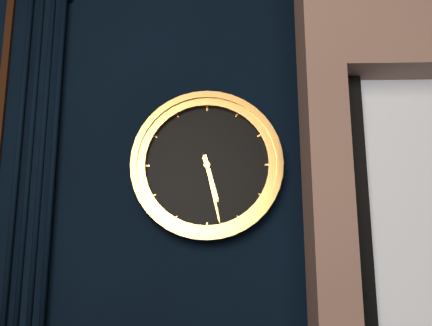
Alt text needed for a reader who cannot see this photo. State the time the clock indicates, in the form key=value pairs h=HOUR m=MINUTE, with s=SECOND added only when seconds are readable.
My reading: h=5 m=28
